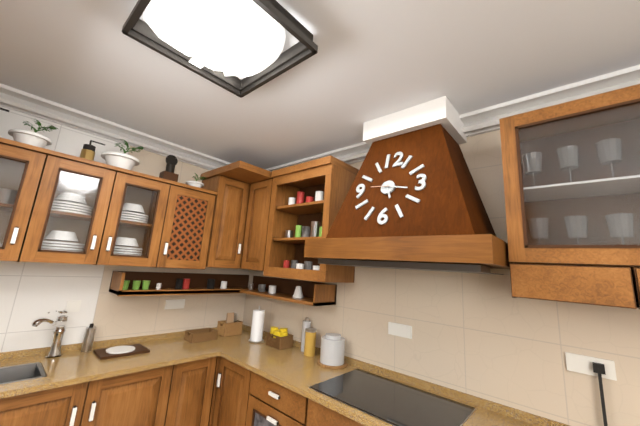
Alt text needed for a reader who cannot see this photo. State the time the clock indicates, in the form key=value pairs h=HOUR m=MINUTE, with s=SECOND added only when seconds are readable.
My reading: h=5 m=17
